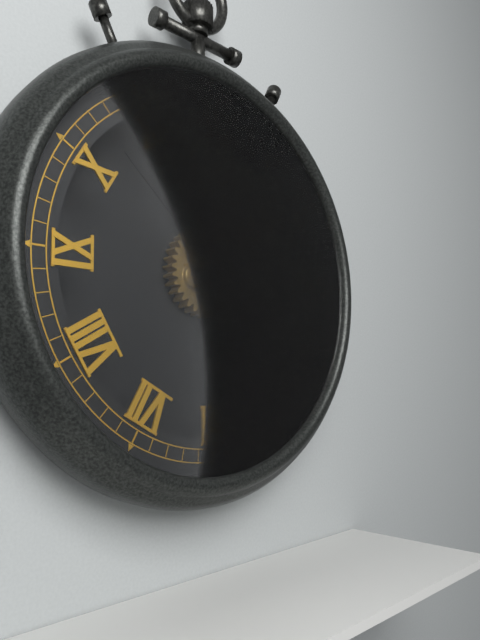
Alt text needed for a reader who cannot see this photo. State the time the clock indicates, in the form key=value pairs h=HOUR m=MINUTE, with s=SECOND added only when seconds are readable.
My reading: h=2 m=14 s=52
